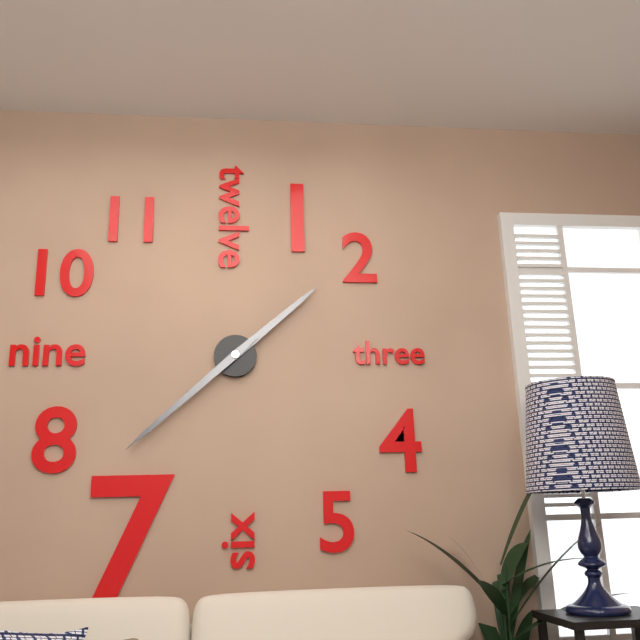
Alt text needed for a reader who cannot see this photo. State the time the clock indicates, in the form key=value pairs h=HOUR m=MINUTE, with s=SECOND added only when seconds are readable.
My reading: h=1 m=38
